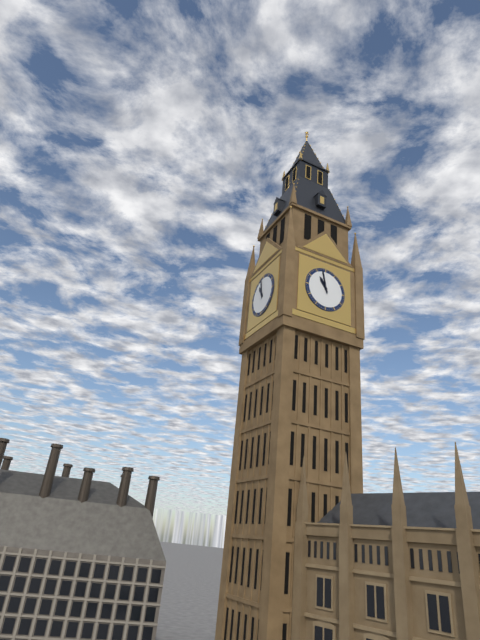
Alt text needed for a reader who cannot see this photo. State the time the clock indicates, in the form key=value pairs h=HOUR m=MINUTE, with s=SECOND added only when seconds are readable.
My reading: h=10 m=58
